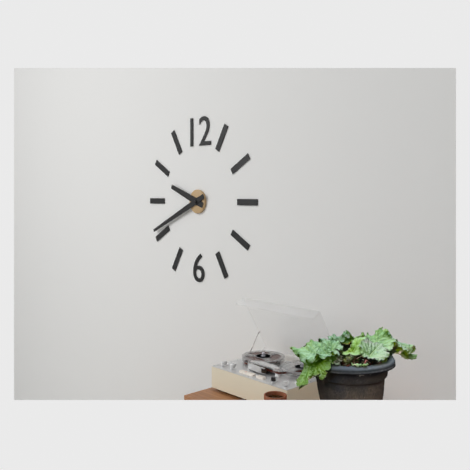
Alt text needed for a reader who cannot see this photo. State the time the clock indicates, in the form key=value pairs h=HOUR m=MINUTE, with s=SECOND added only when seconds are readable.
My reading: h=9 m=41
